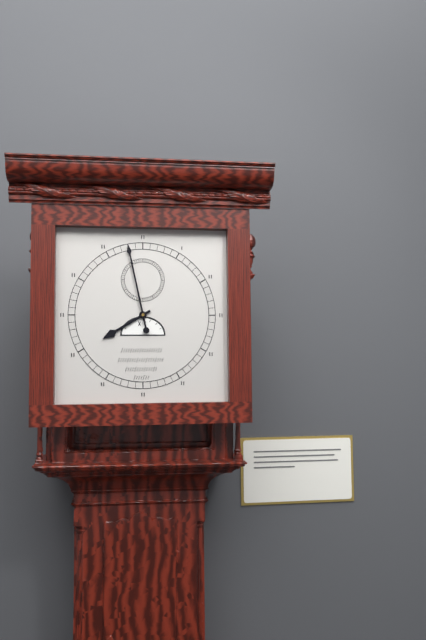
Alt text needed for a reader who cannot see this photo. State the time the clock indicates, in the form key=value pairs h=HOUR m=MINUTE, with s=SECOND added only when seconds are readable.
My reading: h=7 m=58
